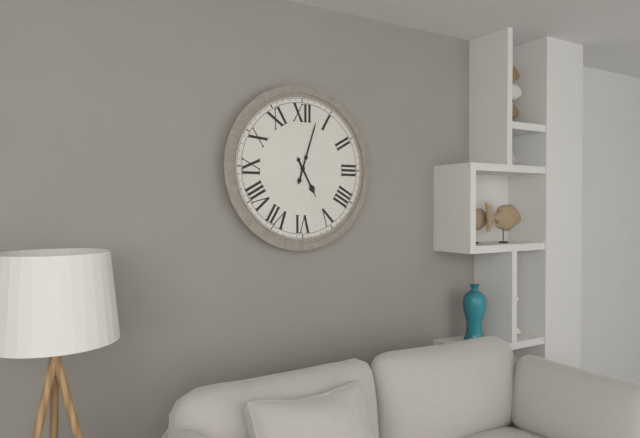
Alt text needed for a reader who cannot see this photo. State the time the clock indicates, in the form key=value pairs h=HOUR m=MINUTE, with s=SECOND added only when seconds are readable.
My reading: h=5 m=3
